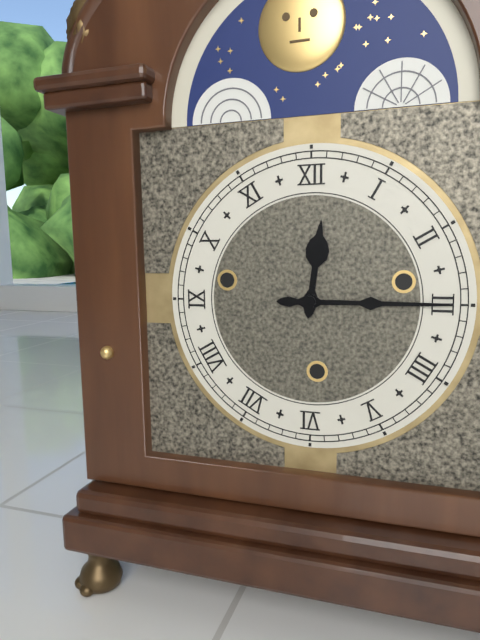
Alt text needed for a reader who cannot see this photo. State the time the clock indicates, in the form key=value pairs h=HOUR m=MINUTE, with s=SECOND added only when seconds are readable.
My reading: h=12 m=15
